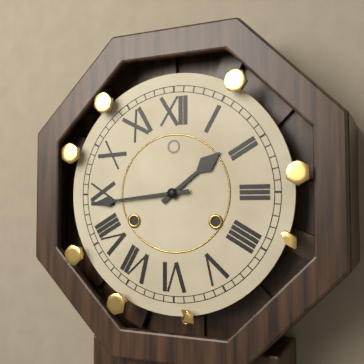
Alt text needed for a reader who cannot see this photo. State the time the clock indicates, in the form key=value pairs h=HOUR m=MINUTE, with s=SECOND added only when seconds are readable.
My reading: h=1 m=44
